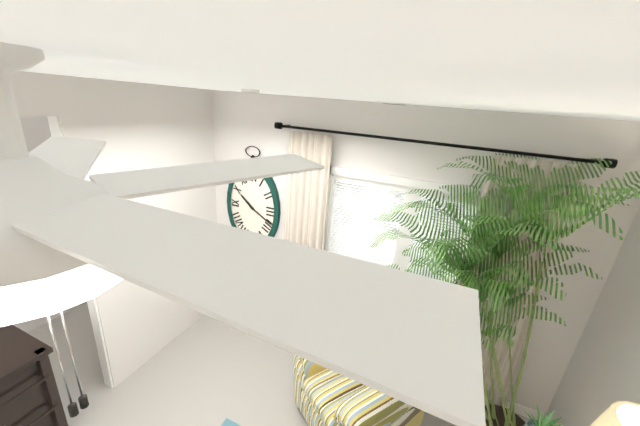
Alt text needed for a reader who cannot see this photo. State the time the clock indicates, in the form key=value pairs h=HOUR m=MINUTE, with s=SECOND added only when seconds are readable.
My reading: h=10 m=20
